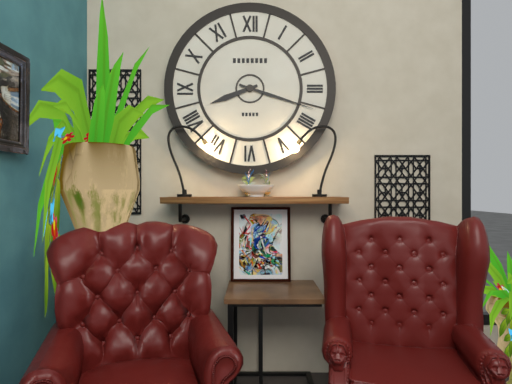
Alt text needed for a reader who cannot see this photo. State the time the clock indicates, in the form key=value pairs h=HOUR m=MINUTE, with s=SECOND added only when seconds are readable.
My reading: h=8 m=18
